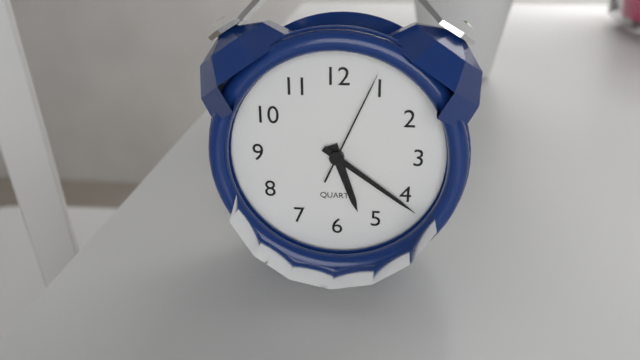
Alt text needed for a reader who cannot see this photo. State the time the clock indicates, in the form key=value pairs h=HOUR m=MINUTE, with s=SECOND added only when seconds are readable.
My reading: h=5 m=21 s=4
